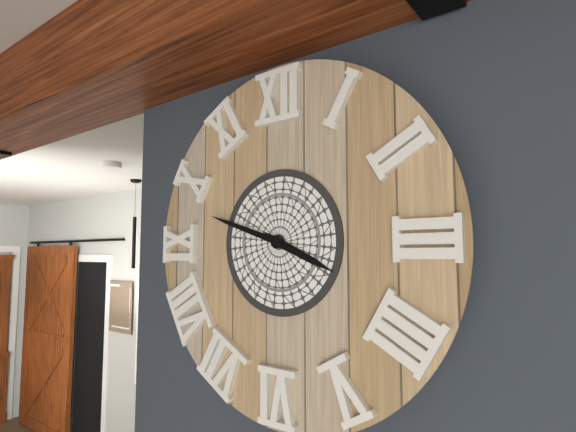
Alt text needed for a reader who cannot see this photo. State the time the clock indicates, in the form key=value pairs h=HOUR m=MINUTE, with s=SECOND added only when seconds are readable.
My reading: h=3 m=48
